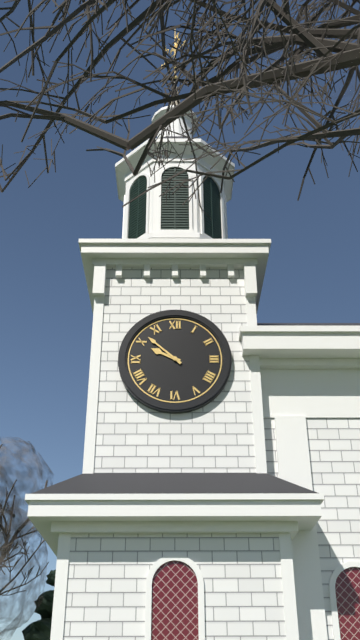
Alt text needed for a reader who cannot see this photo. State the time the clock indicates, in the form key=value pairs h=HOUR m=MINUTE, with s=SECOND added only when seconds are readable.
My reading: h=9 m=52
